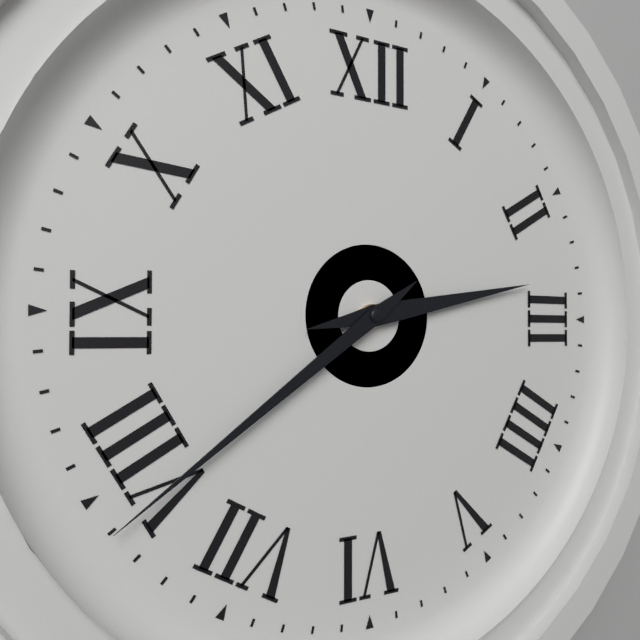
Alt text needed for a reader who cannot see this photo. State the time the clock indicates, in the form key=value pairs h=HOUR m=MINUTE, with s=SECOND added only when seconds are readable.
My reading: h=2 m=39
